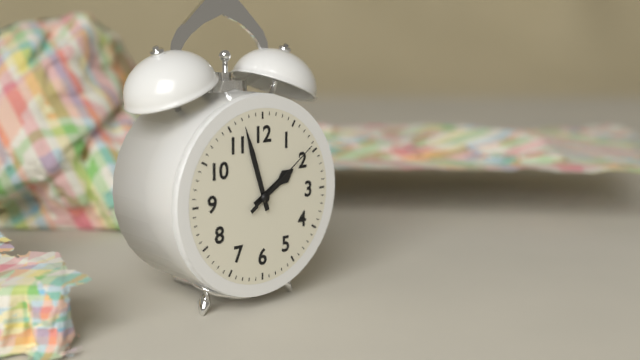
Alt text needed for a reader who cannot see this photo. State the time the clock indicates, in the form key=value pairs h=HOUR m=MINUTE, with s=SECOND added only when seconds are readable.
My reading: h=1 m=57 s=9
